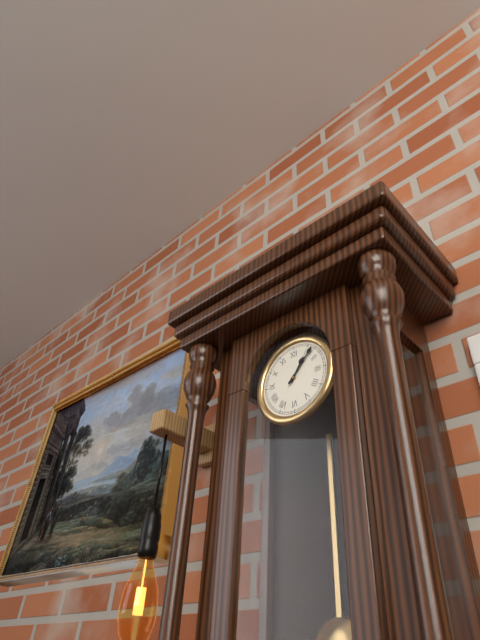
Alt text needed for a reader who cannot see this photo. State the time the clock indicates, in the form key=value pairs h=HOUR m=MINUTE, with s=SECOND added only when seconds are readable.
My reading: h=1 m=7
